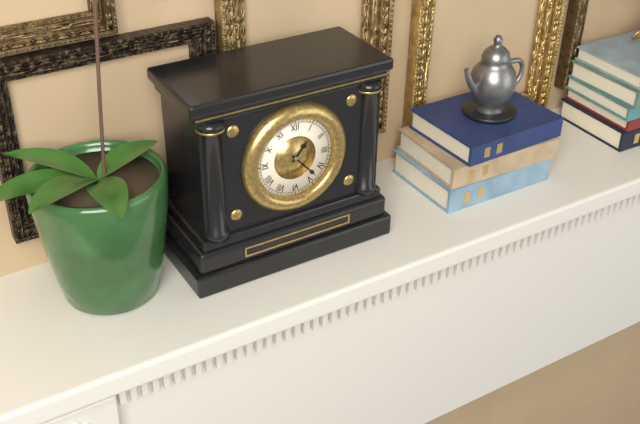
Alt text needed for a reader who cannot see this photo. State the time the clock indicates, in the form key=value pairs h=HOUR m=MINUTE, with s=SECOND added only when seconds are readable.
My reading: h=1 m=23
